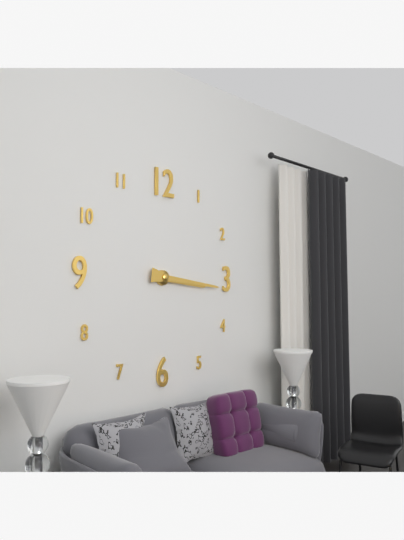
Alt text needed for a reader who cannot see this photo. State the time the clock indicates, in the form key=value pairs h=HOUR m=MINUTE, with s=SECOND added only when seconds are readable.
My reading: h=3 m=16
